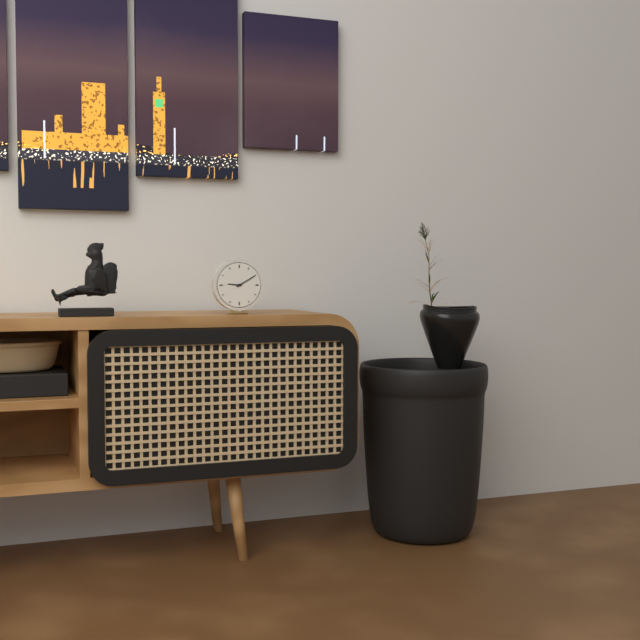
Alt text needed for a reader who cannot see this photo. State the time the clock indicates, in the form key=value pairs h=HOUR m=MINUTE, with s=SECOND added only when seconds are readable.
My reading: h=9 m=10
